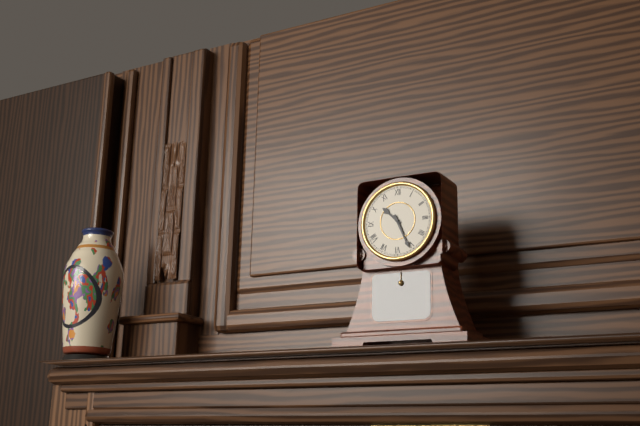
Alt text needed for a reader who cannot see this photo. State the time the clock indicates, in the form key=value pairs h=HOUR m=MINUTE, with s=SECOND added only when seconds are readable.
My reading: h=10 m=26
